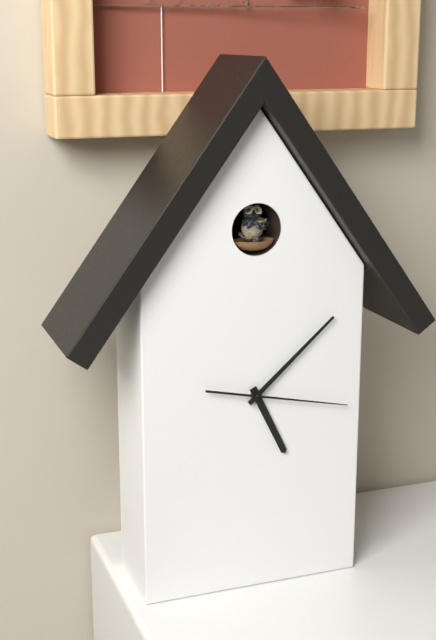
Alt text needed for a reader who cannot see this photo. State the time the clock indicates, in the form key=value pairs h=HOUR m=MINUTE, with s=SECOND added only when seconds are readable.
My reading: h=5 m=8 s=17
